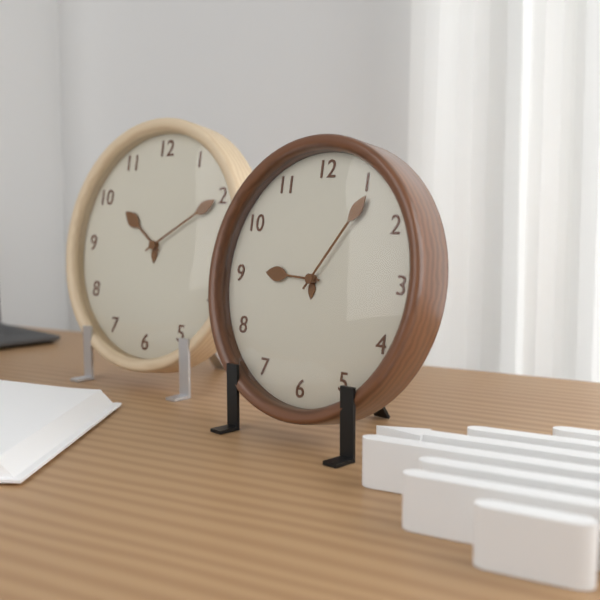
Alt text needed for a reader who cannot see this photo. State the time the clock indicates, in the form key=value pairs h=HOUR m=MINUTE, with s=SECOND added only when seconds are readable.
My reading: h=9 m=6
